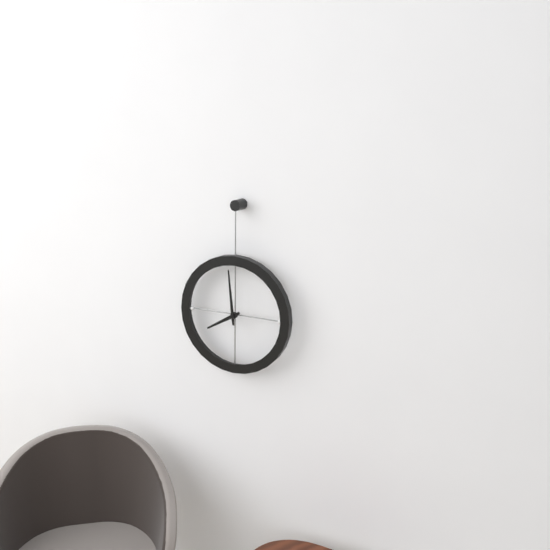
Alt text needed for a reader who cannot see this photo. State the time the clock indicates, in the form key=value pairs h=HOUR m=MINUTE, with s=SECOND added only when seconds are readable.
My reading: h=7 m=59
